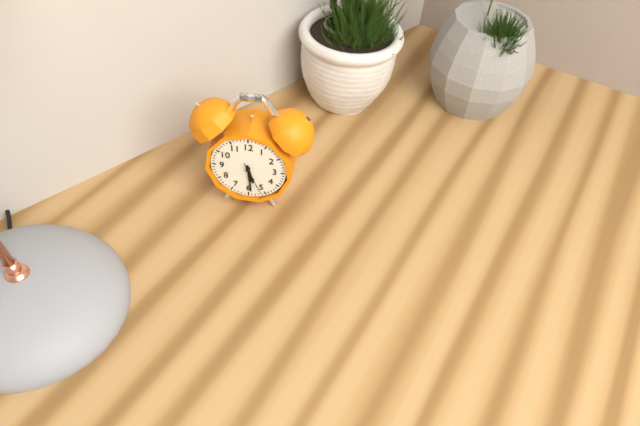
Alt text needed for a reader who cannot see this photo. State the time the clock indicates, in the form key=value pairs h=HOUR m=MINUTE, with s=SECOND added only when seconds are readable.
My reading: h=5 m=29
